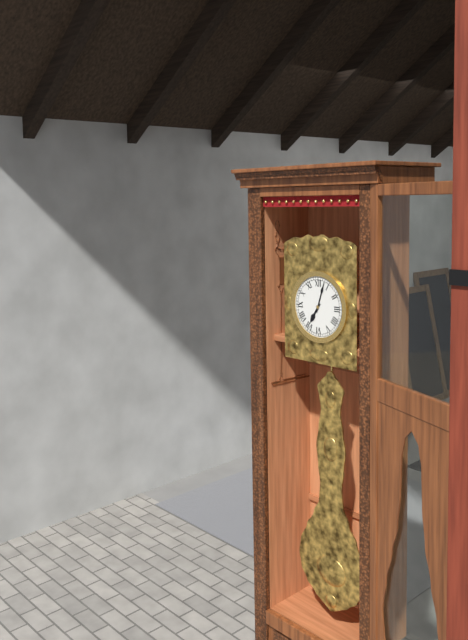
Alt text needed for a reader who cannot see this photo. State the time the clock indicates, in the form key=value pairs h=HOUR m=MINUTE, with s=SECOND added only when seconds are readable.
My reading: h=7 m=3
